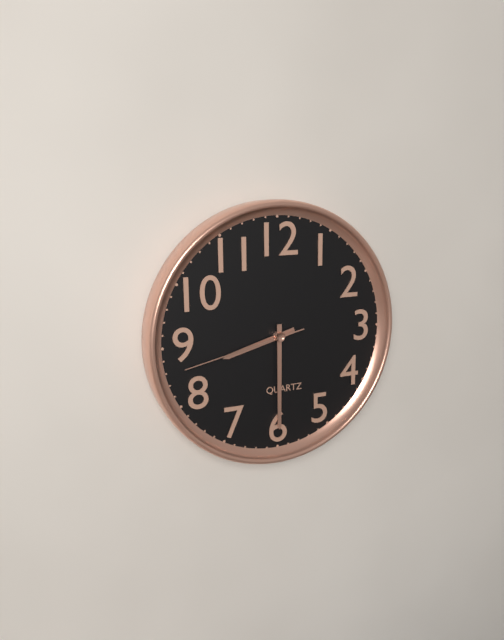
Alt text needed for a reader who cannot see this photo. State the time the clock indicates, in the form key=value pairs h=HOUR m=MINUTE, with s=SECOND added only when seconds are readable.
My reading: h=8 m=30 s=43
